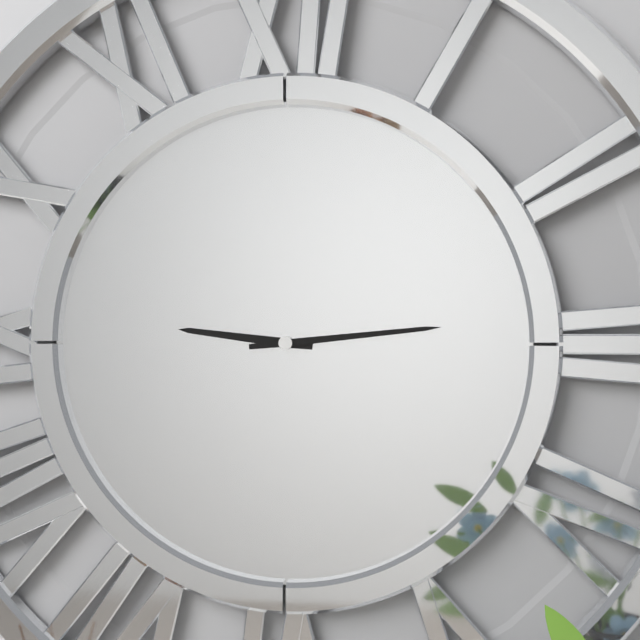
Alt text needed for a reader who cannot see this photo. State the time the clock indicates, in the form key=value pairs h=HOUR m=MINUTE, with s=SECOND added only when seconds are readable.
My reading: h=9 m=14
